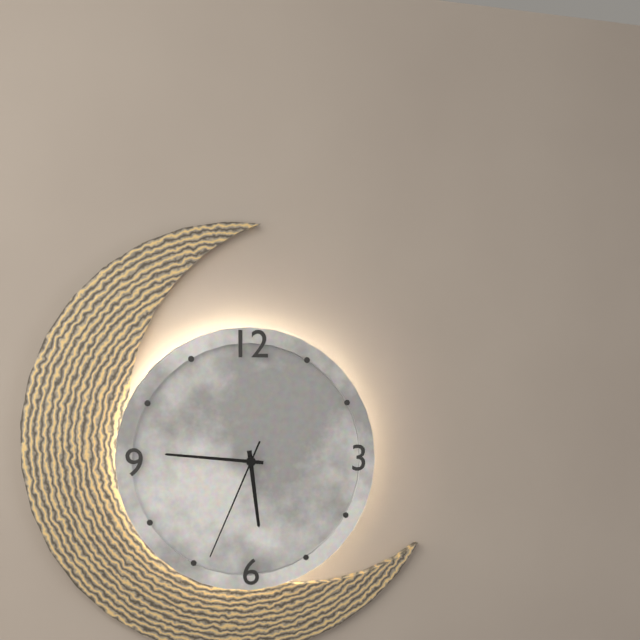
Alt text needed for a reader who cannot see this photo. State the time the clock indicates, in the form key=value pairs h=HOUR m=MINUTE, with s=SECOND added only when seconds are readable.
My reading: h=5 m=46 s=34
